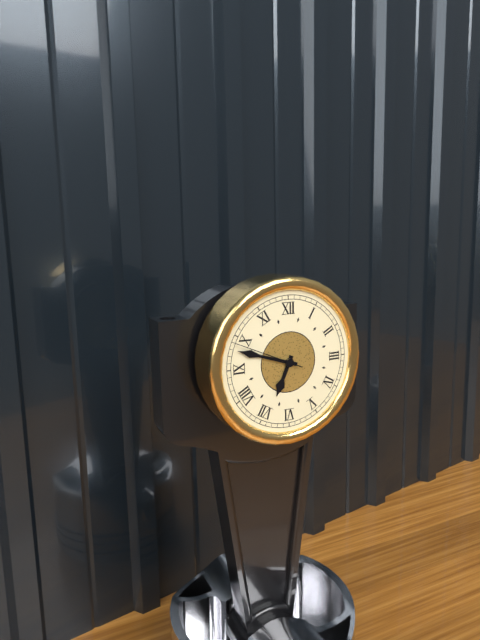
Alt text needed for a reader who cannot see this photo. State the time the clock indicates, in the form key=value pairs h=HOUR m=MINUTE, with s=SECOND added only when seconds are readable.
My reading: h=6 m=48 s=49
